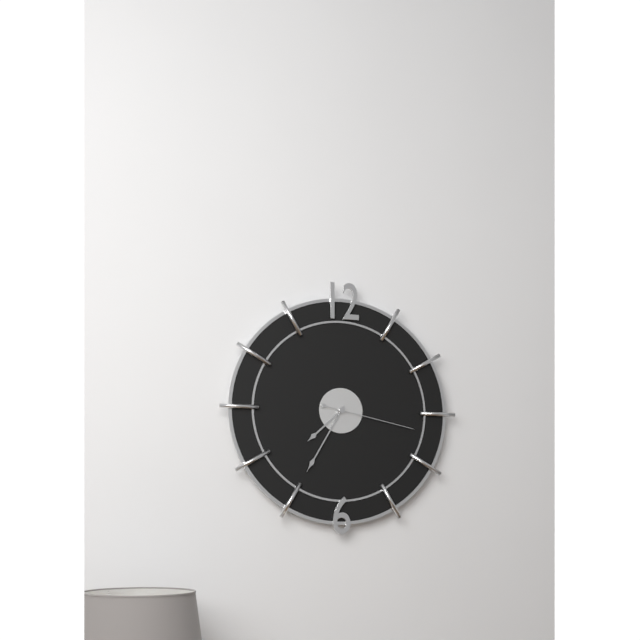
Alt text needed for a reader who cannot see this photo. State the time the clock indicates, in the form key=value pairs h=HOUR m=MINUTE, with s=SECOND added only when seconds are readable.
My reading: h=7 m=35 s=17
